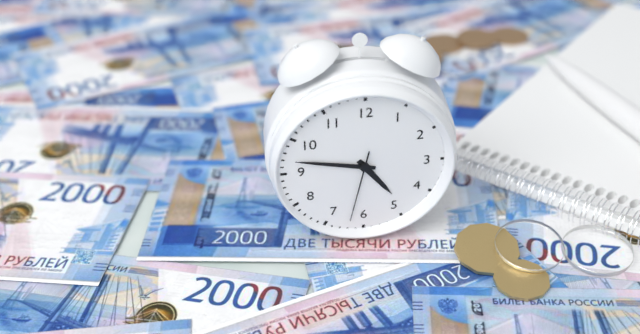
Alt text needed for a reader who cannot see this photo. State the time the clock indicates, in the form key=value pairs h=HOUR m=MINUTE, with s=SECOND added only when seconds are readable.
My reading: h=4 m=47 s=32
